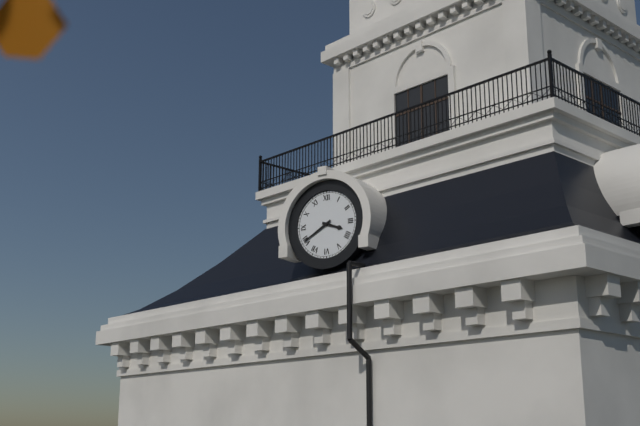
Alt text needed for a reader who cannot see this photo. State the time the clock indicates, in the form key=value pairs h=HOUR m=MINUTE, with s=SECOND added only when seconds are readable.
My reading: h=3 m=40
